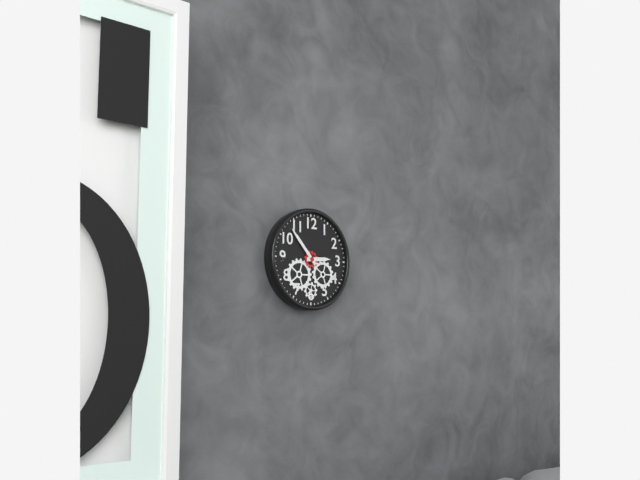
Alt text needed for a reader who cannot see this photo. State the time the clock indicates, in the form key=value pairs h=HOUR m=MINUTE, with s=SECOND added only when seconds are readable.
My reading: h=2 m=53
